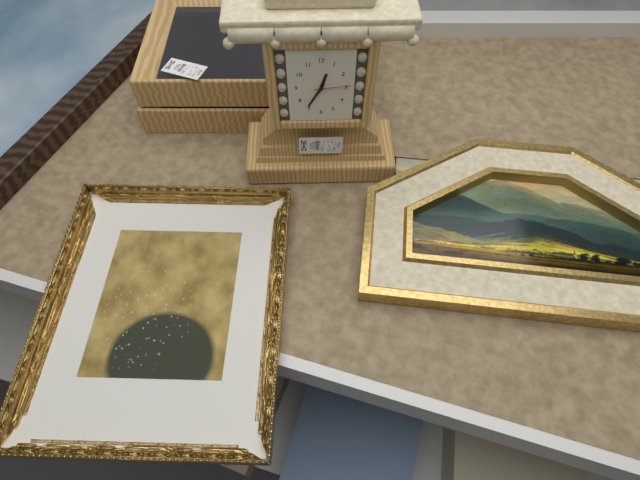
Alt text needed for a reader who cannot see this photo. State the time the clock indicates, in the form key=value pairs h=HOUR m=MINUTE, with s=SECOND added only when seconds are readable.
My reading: h=12 m=35
